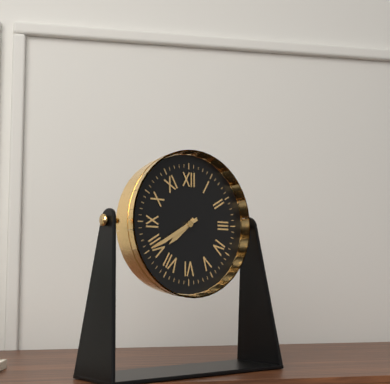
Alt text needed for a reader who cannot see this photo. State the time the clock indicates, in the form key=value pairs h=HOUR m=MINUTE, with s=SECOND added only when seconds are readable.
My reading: h=7 m=40
